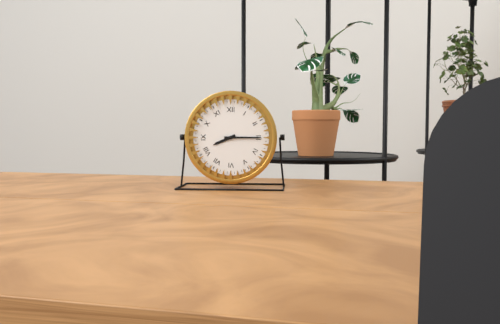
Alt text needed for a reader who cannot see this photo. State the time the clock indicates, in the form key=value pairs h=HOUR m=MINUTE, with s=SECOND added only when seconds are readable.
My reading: h=8 m=15
